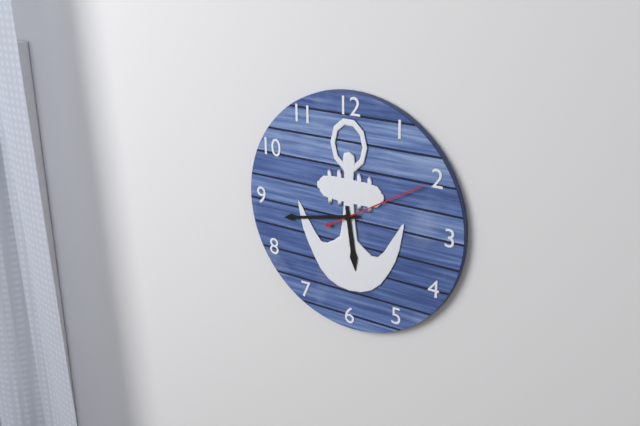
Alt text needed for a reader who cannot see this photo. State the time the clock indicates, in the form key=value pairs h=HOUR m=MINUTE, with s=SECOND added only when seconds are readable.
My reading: h=5 m=43 s=10
